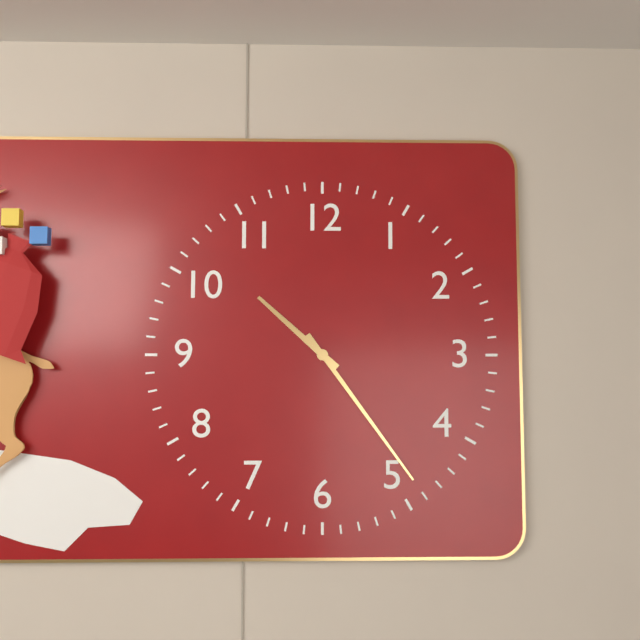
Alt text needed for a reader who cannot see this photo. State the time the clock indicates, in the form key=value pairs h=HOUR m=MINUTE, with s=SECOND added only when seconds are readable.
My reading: h=10 m=24
